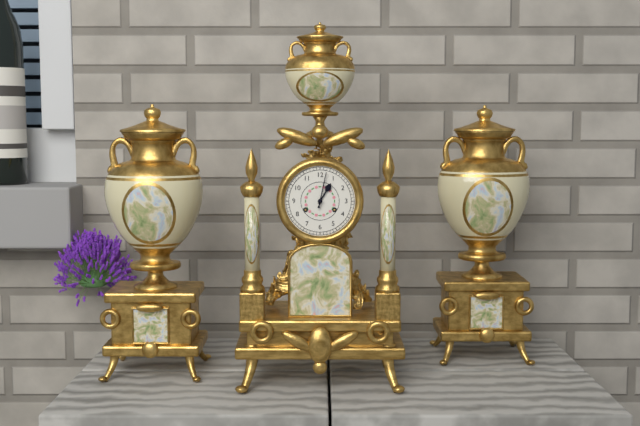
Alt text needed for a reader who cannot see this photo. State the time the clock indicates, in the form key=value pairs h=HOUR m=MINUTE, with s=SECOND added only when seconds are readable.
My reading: h=1 m=2
